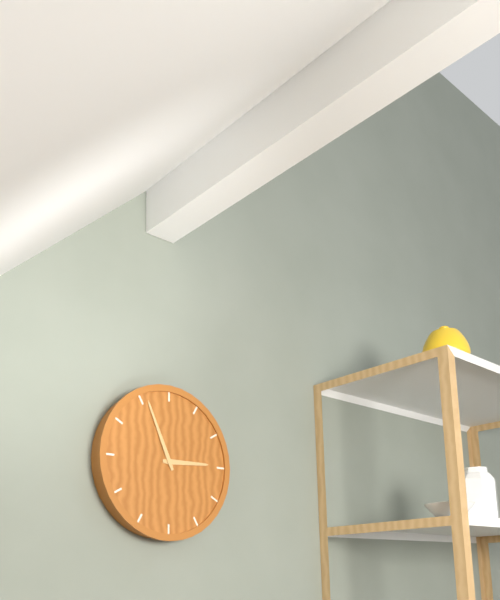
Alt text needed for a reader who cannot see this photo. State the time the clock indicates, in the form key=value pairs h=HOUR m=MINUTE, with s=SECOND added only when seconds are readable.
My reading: h=2 m=56
